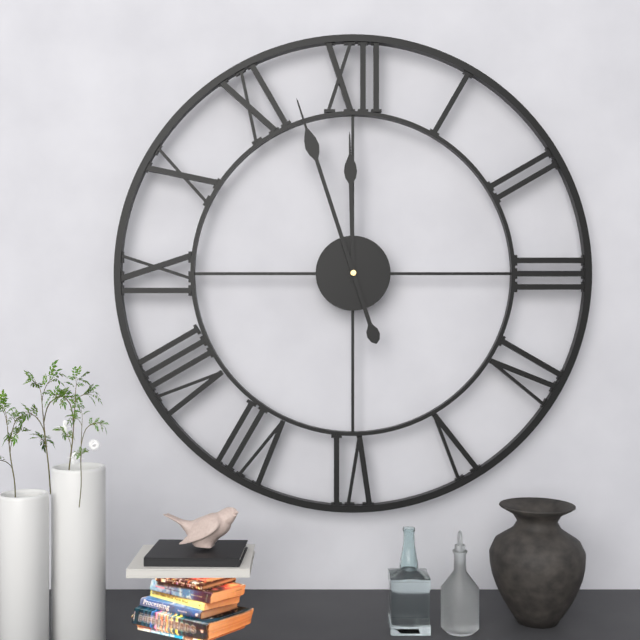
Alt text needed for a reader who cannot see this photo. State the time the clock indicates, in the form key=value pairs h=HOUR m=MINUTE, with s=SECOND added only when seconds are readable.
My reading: h=11 m=57
